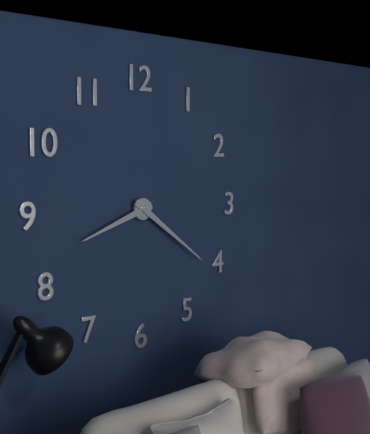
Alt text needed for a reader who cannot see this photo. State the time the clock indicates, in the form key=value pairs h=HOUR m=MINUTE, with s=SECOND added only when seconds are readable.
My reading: h=8 m=21
